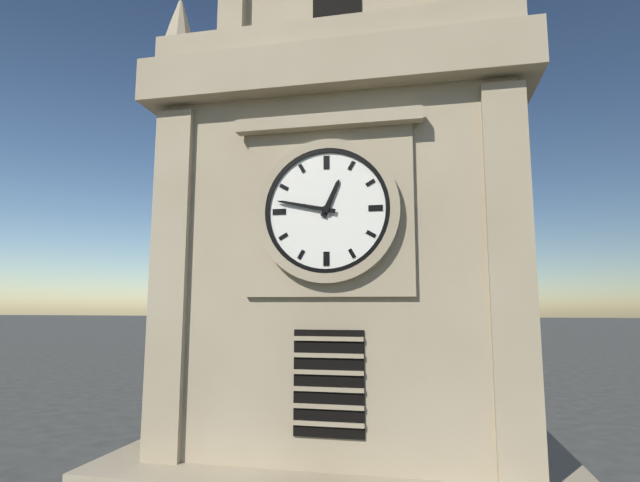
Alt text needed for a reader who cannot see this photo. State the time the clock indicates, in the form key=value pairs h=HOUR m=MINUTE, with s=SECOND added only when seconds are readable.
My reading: h=12 m=47
